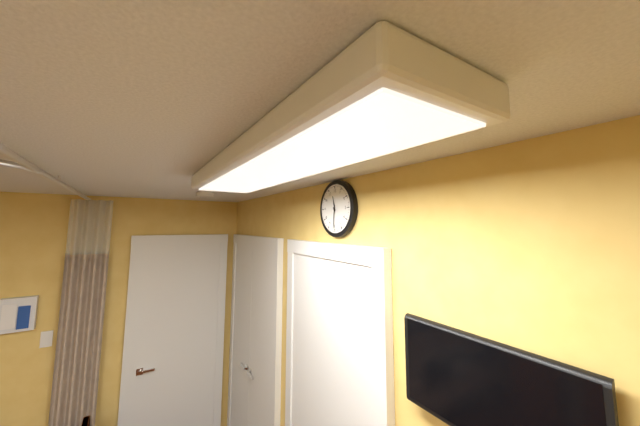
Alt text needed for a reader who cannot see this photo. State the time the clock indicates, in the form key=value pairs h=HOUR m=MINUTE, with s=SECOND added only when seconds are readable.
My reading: h=11 m=31
